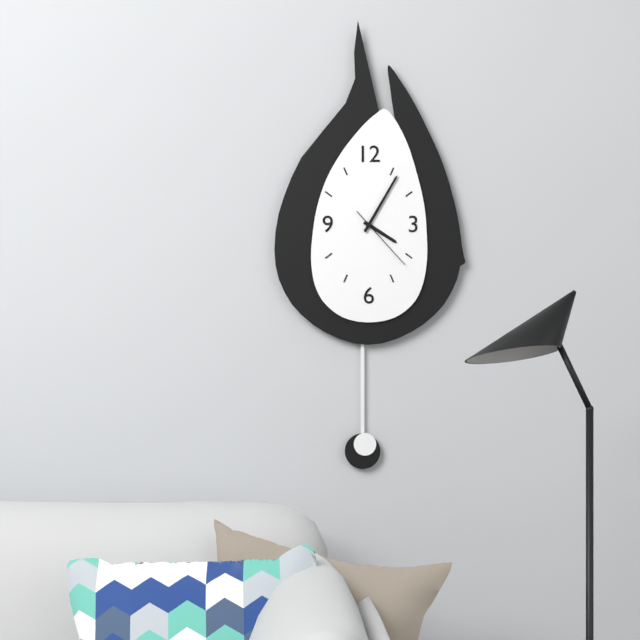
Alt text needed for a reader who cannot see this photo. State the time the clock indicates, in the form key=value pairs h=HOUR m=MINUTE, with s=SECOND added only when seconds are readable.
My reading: h=4 m=5 s=23
